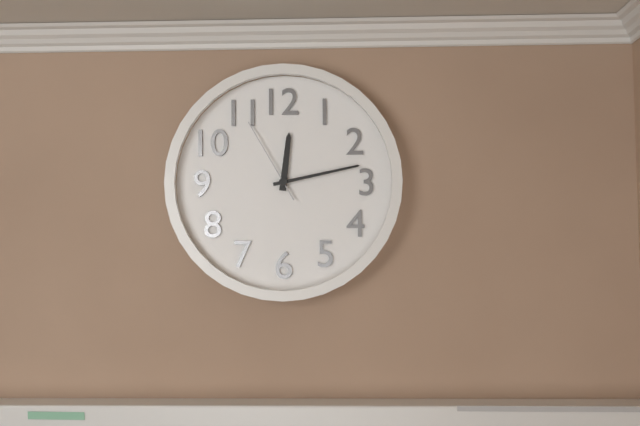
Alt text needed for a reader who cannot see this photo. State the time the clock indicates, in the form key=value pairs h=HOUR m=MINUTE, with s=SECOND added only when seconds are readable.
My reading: h=12 m=13 s=55
